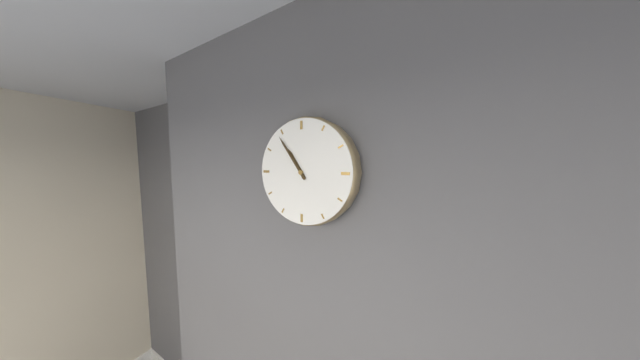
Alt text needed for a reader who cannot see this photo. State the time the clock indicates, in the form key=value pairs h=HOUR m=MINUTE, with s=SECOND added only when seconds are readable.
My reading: h=10 m=54
